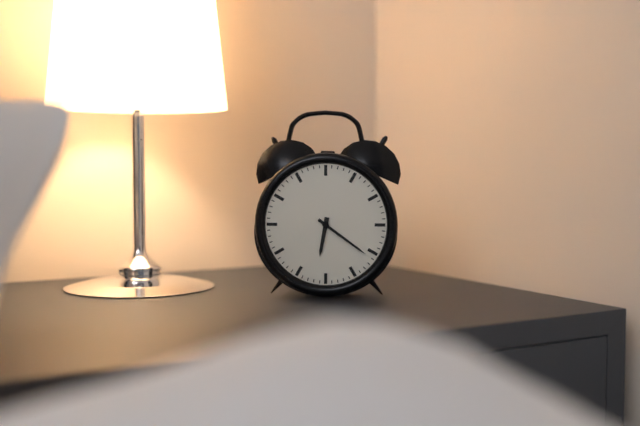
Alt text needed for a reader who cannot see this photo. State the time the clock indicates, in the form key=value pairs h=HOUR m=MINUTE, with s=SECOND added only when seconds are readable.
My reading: h=6 m=21
